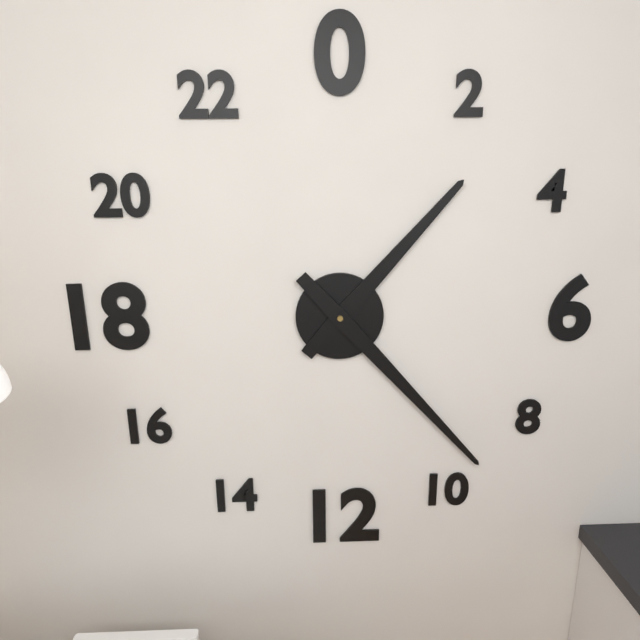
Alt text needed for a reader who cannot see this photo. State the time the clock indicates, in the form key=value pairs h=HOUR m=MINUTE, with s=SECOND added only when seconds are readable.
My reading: h=1 m=23
